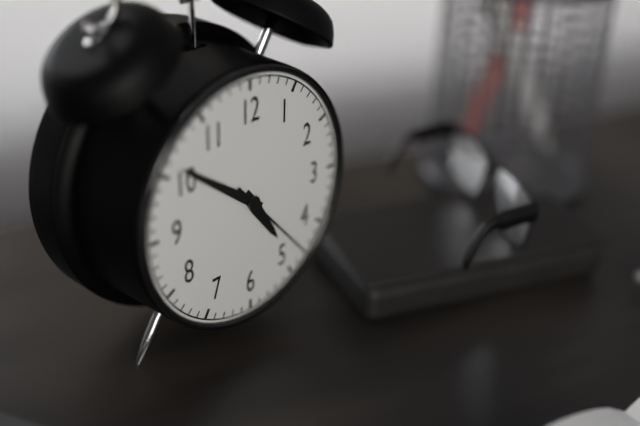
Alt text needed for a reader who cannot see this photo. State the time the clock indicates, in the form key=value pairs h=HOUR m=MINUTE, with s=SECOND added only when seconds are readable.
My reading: h=4 m=51 s=23
